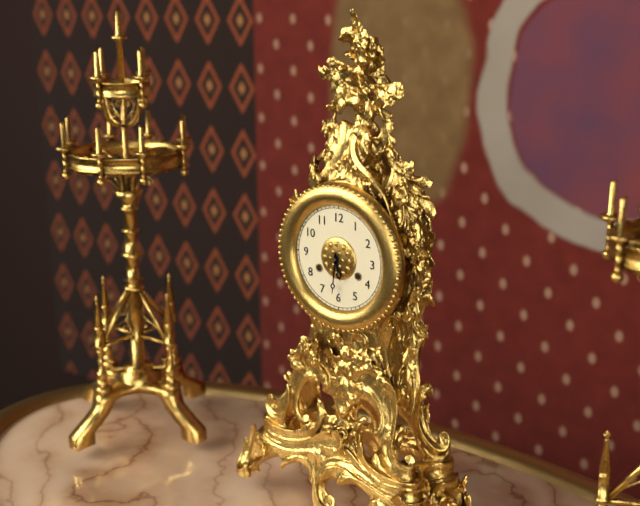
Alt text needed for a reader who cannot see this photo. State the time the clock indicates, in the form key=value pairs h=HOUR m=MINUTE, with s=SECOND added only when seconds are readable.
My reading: h=5 m=31
